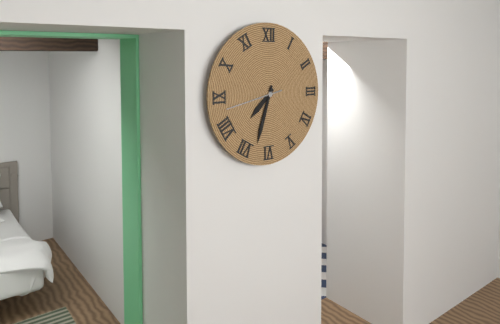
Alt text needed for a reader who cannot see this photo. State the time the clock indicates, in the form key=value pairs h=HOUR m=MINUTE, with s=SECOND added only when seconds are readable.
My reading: h=7 m=33
